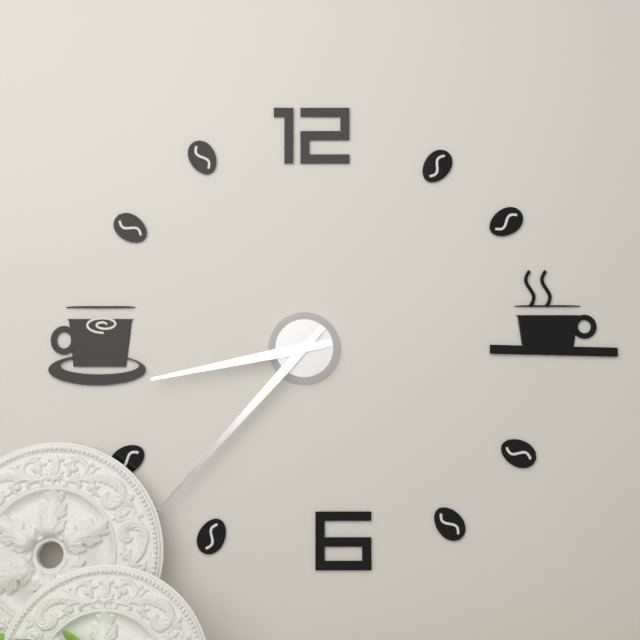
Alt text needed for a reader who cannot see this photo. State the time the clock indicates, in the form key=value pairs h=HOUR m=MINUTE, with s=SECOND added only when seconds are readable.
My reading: h=8 m=37
